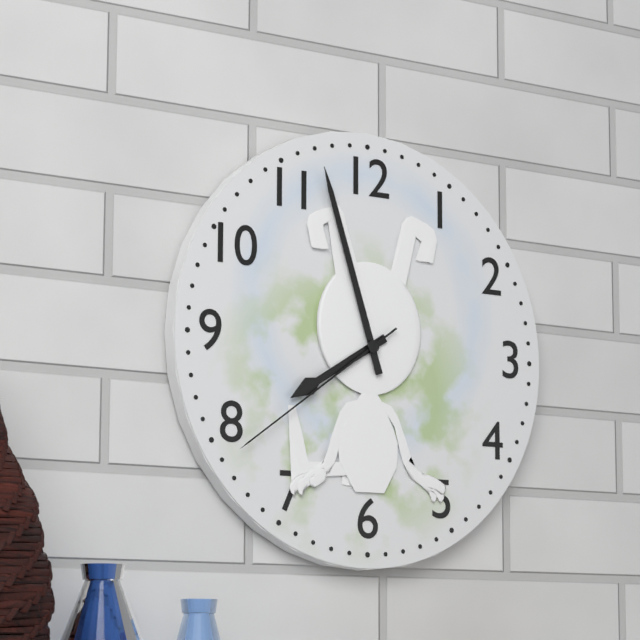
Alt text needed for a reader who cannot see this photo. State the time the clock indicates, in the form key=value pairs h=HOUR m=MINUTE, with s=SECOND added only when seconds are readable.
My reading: h=7 m=57 s=39
